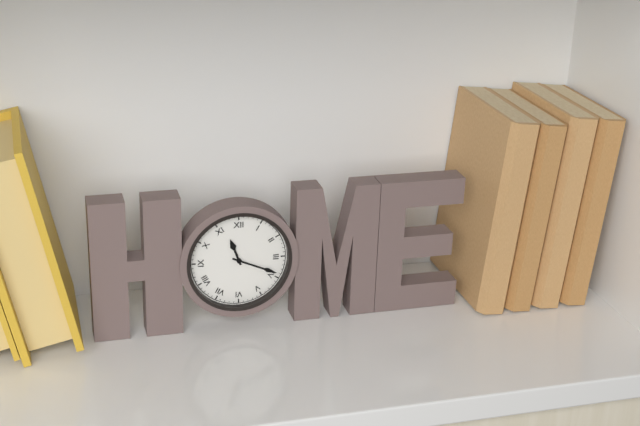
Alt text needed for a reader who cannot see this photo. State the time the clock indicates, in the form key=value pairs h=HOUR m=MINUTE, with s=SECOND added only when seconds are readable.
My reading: h=11 m=19
